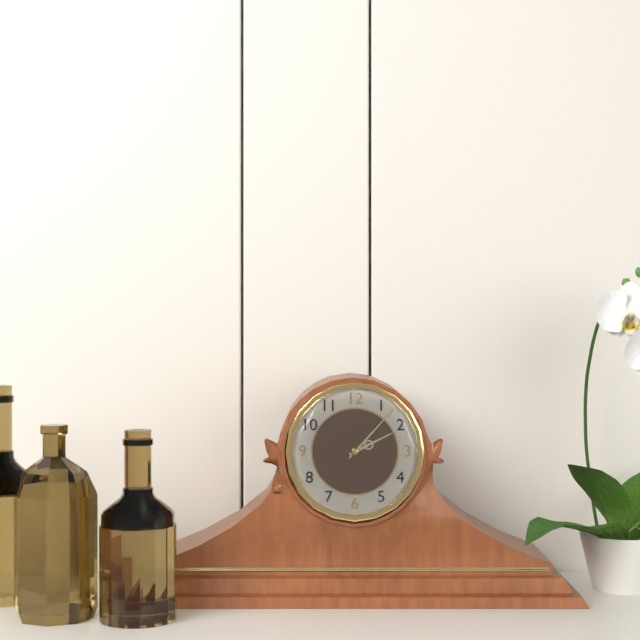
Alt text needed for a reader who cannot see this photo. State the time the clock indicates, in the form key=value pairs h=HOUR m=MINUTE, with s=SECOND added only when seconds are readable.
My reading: h=2 m=7
